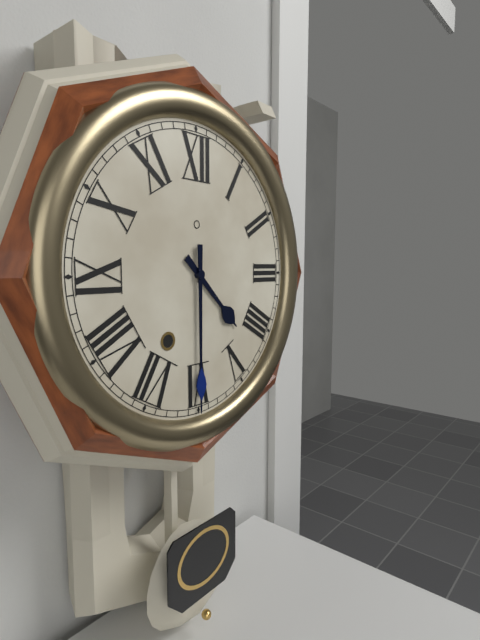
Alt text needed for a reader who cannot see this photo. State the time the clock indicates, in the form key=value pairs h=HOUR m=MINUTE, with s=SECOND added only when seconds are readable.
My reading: h=4 m=30
